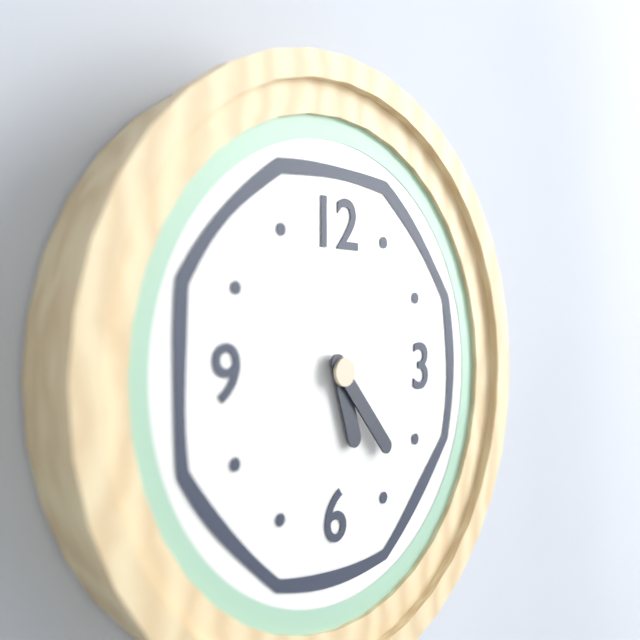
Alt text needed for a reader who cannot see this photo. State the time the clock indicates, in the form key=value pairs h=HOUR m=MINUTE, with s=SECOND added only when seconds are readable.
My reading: h=5 m=23
